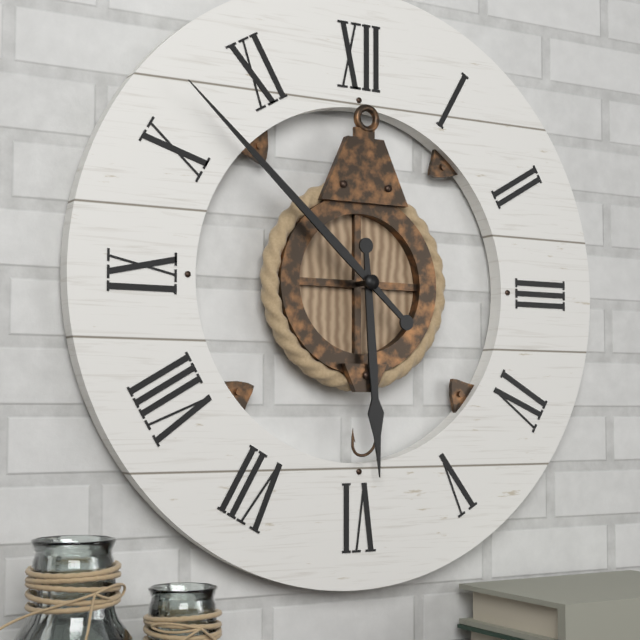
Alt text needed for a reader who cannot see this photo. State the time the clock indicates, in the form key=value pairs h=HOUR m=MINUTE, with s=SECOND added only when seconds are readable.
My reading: h=5 m=52
